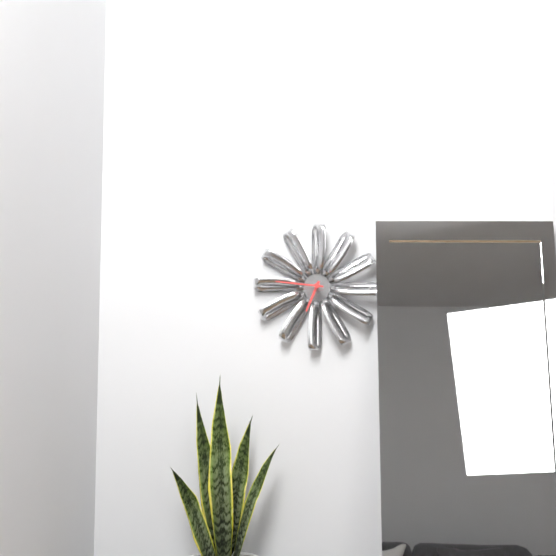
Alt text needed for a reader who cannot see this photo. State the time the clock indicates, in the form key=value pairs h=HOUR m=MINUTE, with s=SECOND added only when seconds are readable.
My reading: h=6 m=46
